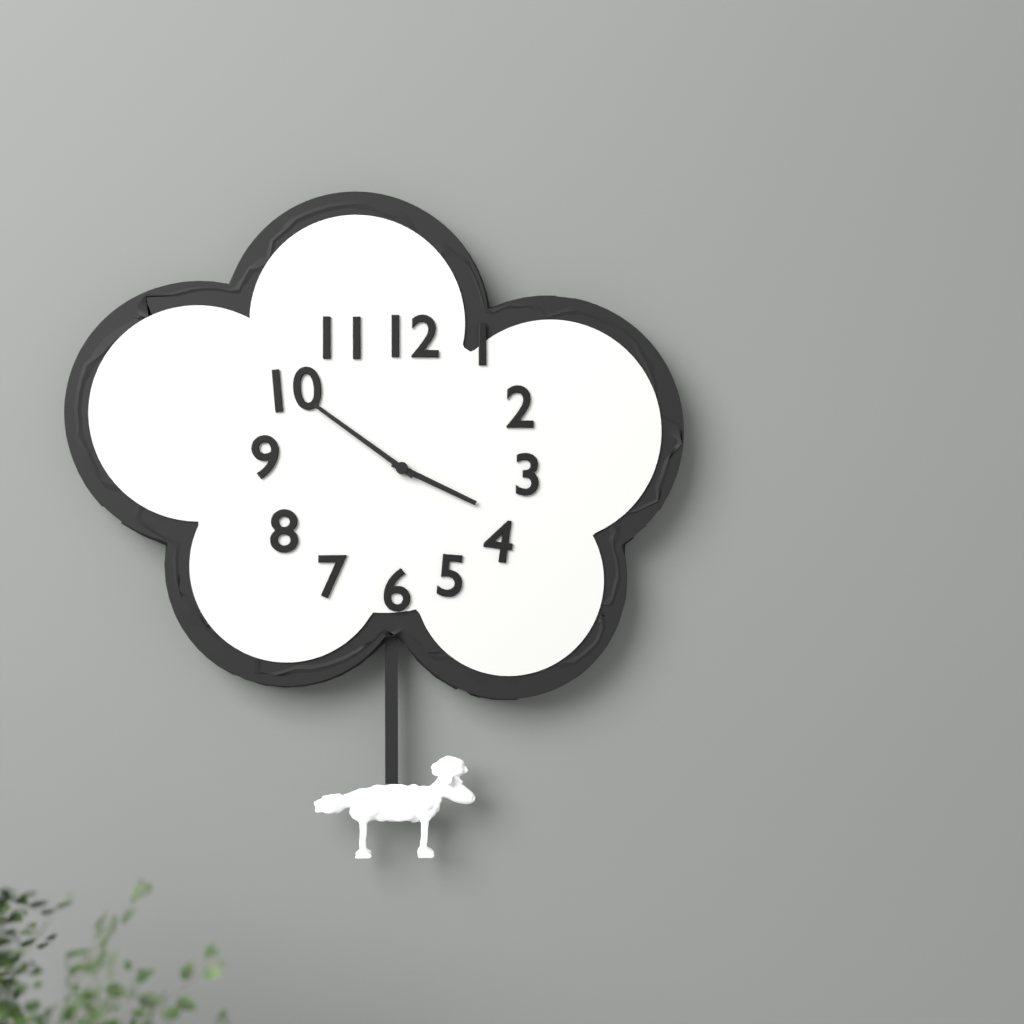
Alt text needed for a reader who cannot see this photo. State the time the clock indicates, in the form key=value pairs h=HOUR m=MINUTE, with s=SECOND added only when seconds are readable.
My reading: h=3 m=51
